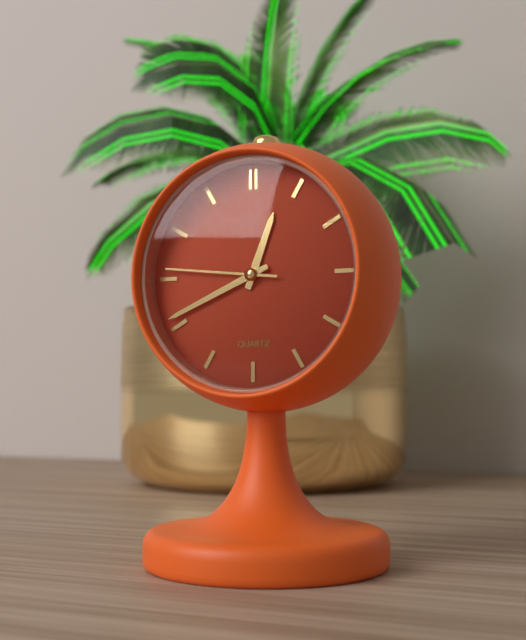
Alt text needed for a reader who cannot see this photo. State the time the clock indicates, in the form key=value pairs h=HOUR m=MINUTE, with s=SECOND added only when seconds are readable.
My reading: h=12 m=41 s=46
